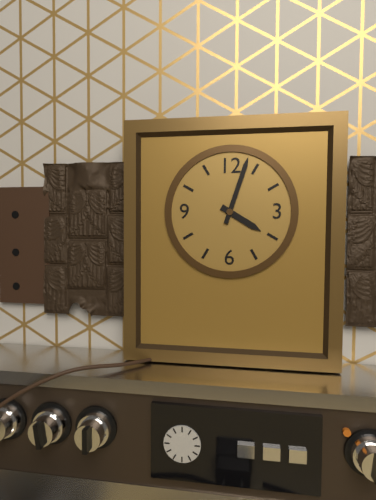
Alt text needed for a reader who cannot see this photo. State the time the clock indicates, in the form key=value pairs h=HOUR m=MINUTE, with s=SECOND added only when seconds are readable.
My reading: h=4 m=3
